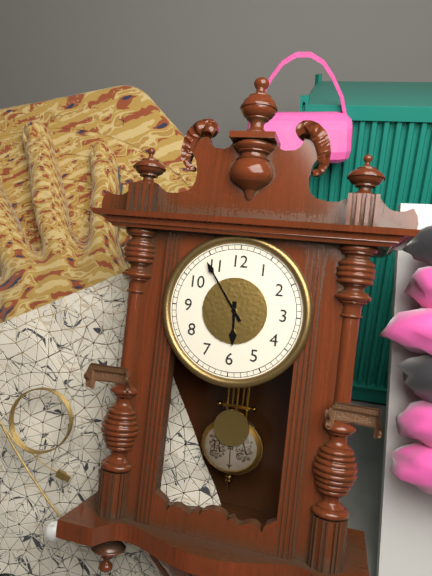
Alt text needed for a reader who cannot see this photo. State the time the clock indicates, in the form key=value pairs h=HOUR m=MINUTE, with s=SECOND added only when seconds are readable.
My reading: h=5 m=54
